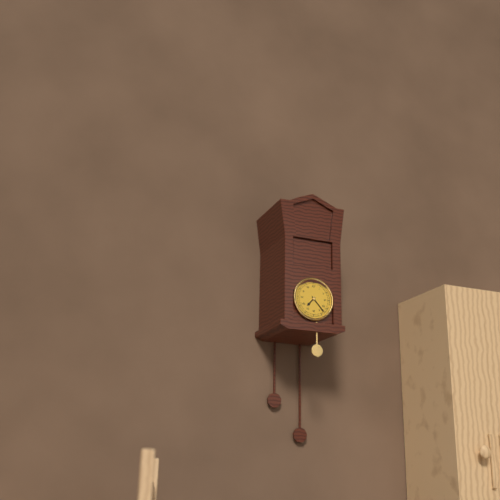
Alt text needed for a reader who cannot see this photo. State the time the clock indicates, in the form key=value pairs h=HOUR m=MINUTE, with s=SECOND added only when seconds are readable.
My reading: h=7 m=23
